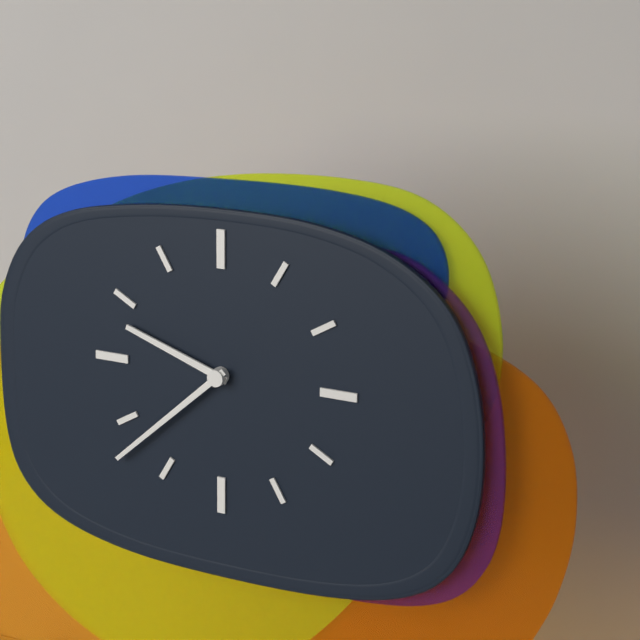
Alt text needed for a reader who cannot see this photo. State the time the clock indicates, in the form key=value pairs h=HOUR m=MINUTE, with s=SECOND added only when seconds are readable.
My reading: h=9 m=38
